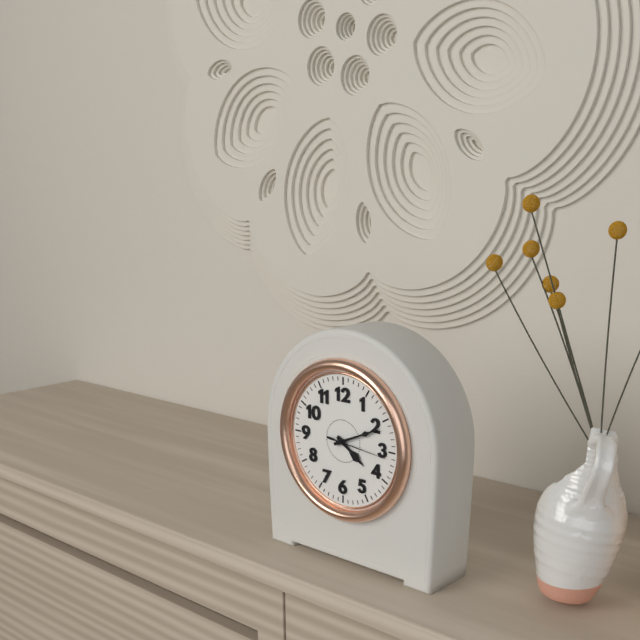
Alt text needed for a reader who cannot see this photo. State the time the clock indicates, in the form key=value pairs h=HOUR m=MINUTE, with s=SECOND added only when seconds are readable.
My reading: h=4 m=11 s=16
